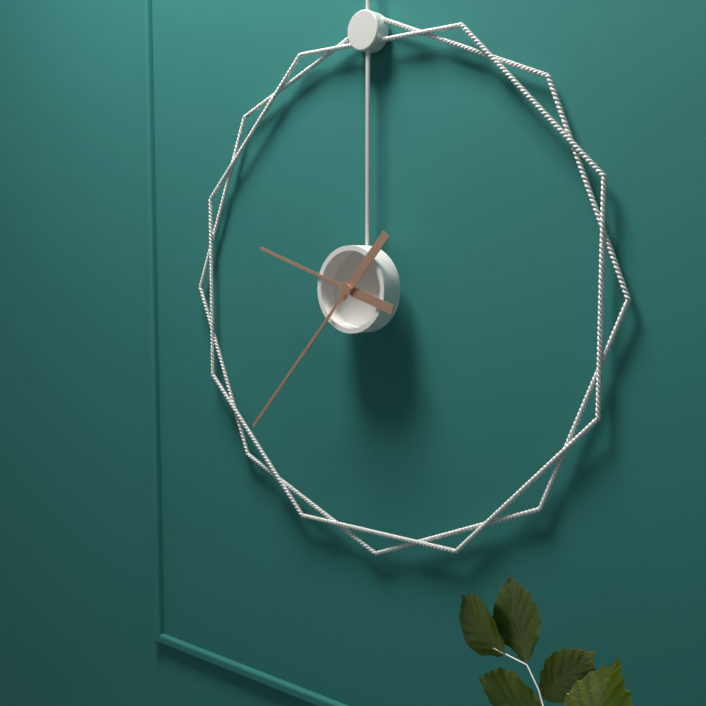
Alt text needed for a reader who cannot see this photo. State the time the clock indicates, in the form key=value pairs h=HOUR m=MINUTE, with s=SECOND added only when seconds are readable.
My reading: h=9 m=37
